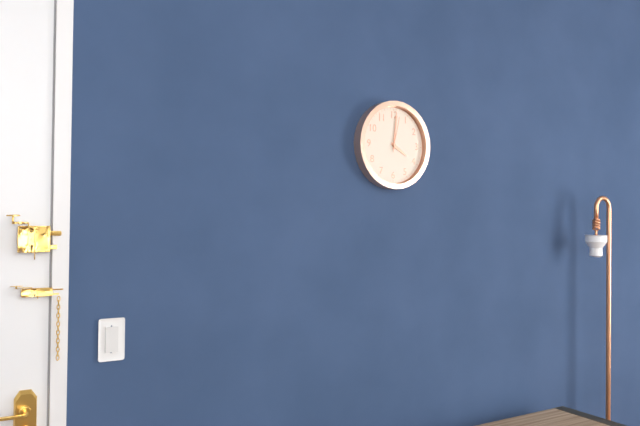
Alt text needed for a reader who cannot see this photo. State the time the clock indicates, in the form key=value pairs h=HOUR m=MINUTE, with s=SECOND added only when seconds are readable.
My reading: h=4 m=1
